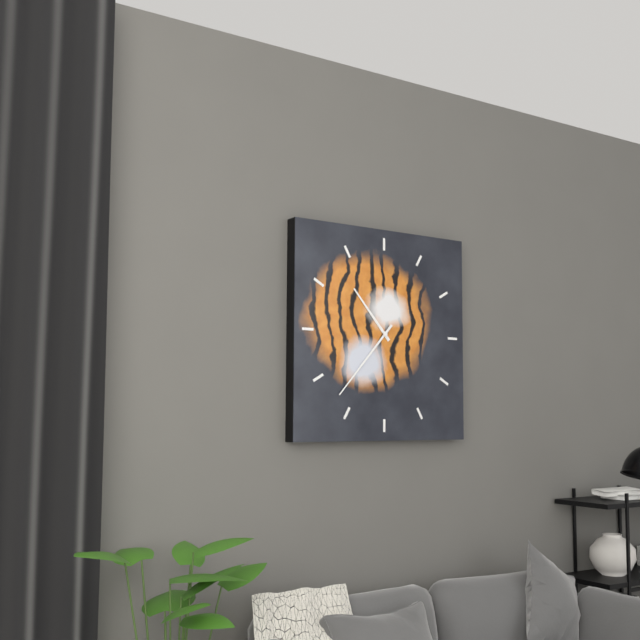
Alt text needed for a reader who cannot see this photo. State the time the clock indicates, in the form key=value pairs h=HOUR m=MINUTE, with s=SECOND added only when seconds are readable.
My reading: h=10 m=37
